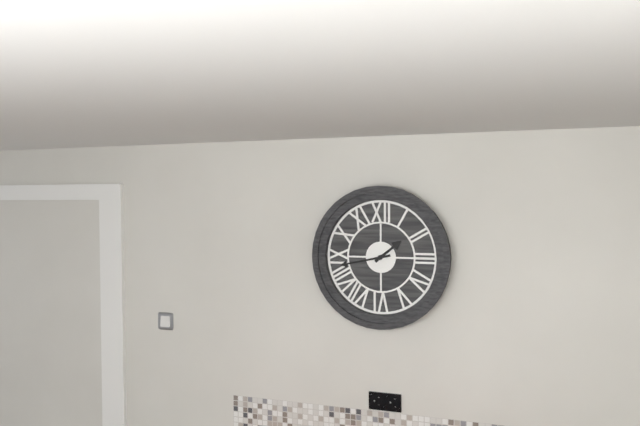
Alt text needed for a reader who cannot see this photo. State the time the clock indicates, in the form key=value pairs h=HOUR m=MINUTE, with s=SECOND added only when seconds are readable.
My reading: h=1 m=43
